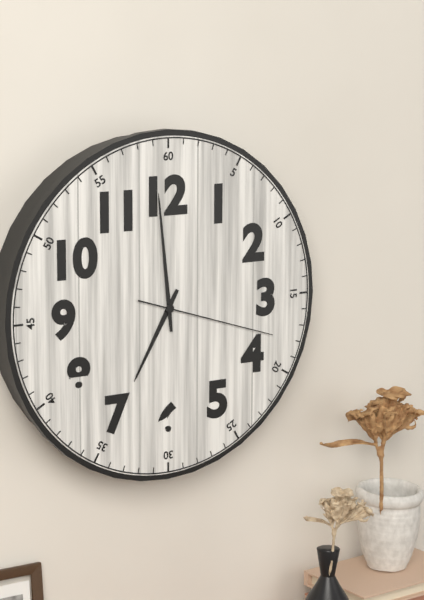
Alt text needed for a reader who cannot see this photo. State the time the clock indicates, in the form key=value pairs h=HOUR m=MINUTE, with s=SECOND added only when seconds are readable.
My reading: h=6 m=59 s=18
